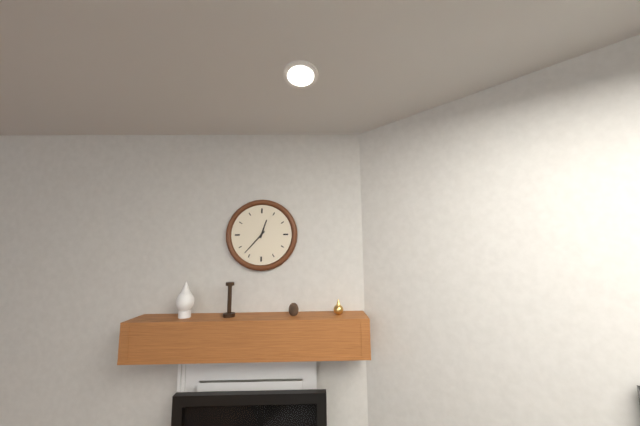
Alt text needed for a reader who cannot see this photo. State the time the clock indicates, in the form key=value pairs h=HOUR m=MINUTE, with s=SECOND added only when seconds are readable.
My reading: h=12 m=37
